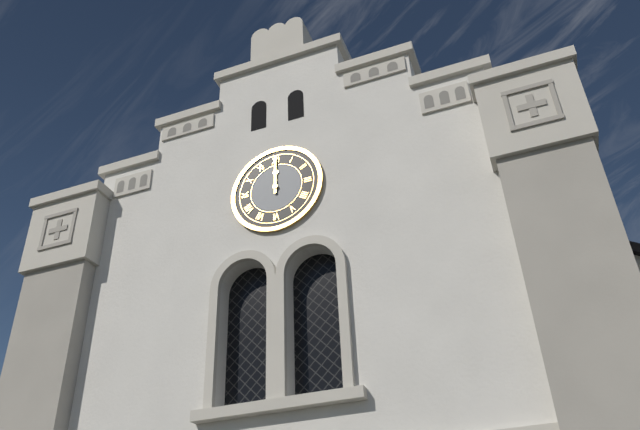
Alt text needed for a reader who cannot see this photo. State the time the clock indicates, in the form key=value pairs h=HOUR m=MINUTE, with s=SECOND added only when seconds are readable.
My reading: h=12 m=0
